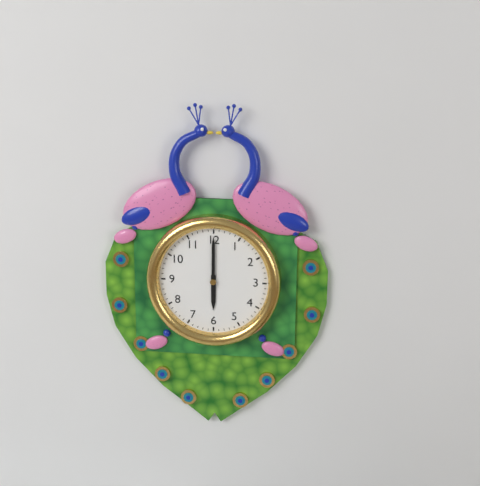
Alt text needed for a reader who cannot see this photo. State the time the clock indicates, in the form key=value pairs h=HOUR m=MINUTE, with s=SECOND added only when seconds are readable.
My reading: h=6 m=0
